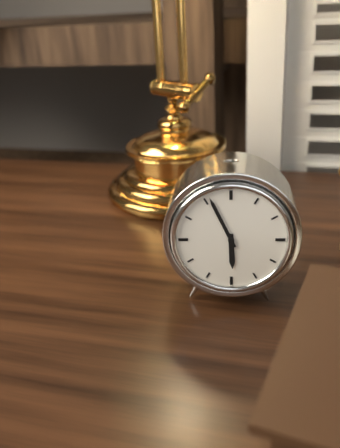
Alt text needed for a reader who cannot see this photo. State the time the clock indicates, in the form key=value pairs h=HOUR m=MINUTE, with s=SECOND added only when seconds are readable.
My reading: h=5 m=56
